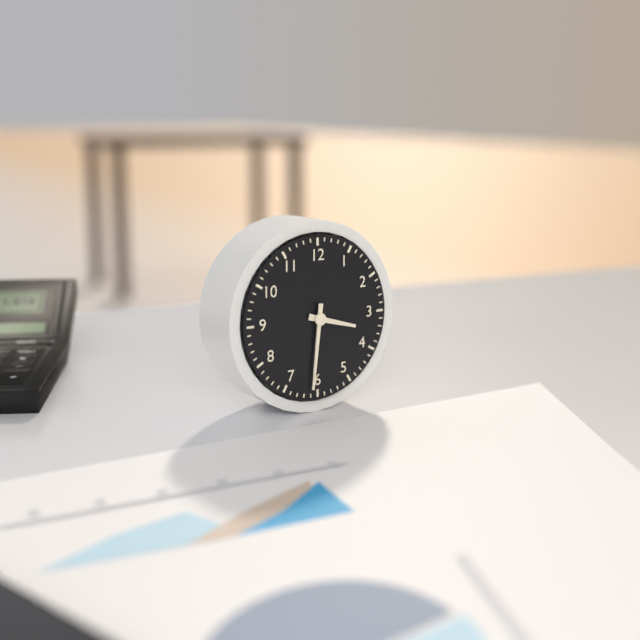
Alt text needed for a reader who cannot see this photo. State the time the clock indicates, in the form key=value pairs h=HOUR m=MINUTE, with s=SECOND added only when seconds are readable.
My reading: h=3 m=31
